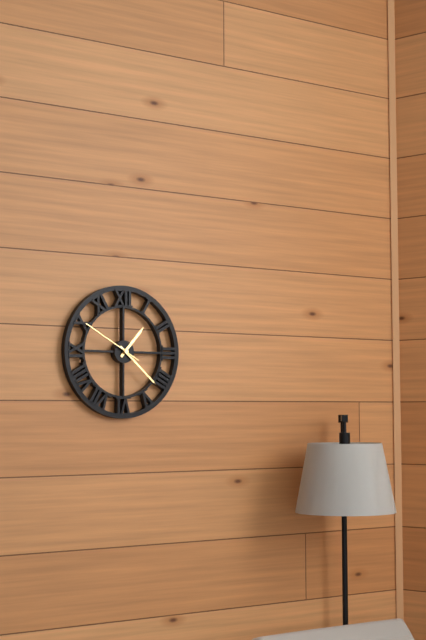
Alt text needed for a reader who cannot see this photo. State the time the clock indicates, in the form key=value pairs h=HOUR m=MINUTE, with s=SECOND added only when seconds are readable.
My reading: h=1 m=22 s=50
